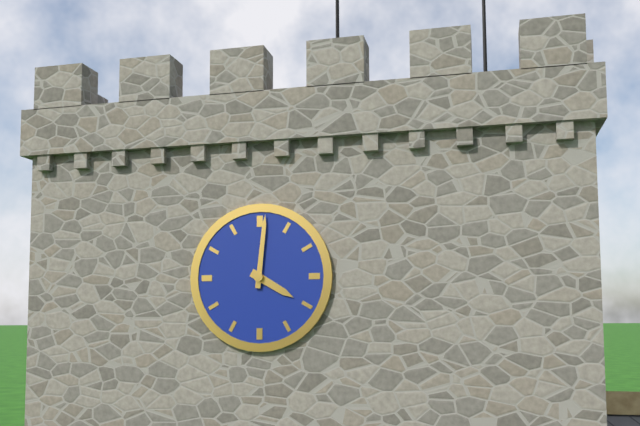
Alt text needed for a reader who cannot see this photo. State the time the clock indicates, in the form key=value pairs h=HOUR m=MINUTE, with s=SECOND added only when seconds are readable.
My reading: h=4 m=1
